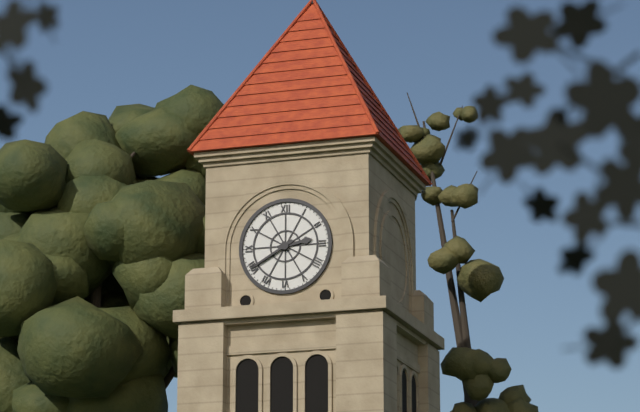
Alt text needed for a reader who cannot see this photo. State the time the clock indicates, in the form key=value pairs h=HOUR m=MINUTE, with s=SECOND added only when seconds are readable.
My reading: h=2 m=40
